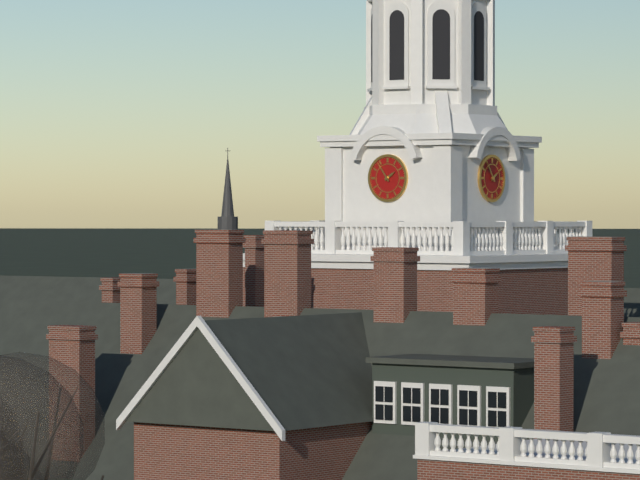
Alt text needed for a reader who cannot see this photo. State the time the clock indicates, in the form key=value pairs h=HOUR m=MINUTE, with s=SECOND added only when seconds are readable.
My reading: h=1 m=54
